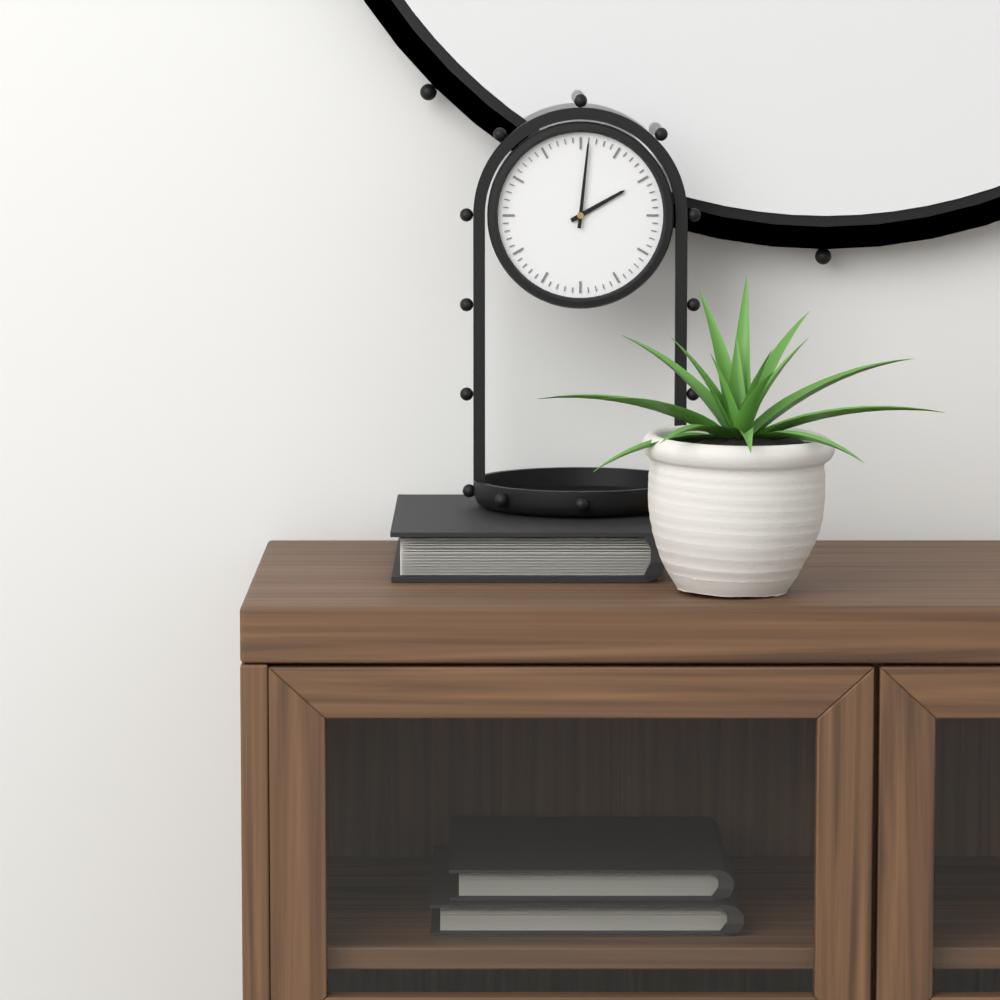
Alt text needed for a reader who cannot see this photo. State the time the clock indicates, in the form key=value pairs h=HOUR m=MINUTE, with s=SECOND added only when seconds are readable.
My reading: h=2 m=1
